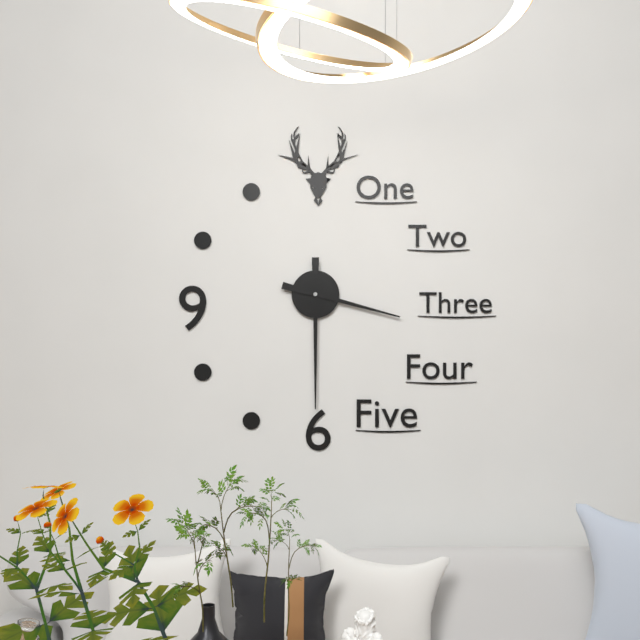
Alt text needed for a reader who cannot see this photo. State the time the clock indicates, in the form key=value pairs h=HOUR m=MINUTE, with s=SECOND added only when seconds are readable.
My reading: h=3 m=30
